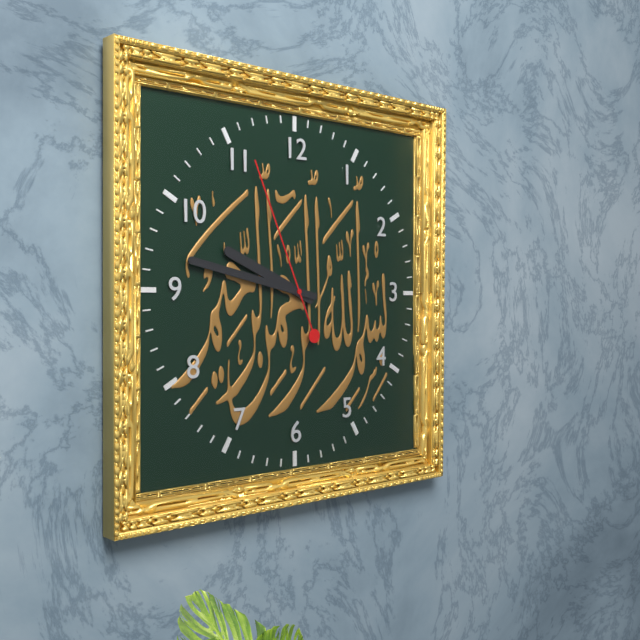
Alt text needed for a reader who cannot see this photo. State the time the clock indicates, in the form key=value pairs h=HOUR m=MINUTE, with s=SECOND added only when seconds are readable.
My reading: h=9 m=47 s=56
